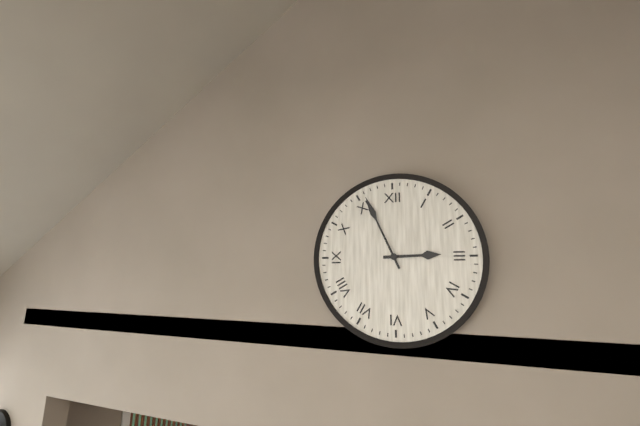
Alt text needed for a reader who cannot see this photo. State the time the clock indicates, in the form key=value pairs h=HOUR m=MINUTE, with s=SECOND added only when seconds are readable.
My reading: h=2 m=56
